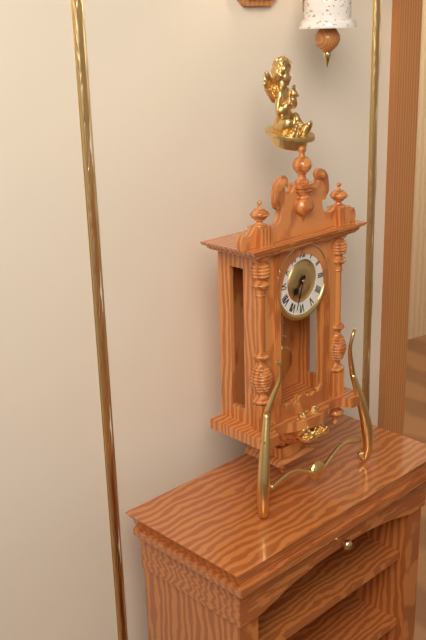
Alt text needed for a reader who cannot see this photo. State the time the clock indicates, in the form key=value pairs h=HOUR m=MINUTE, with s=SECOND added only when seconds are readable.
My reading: h=7 m=33
